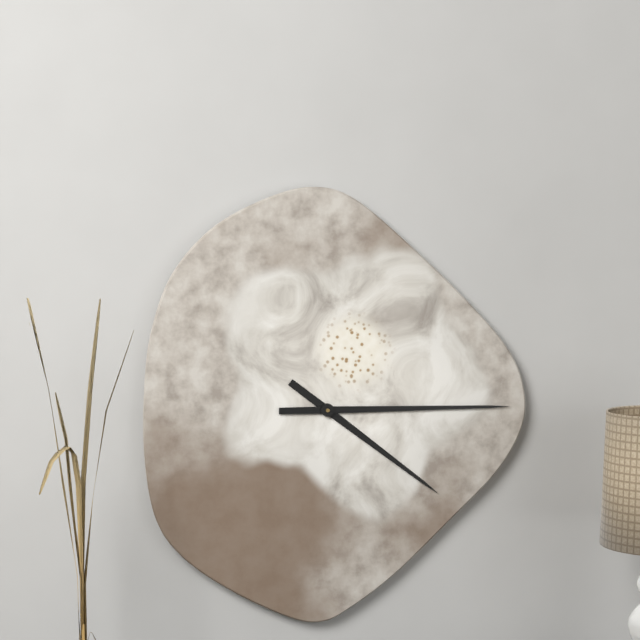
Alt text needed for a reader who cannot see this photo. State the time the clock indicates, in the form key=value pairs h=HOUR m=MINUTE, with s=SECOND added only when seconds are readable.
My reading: h=4 m=15
